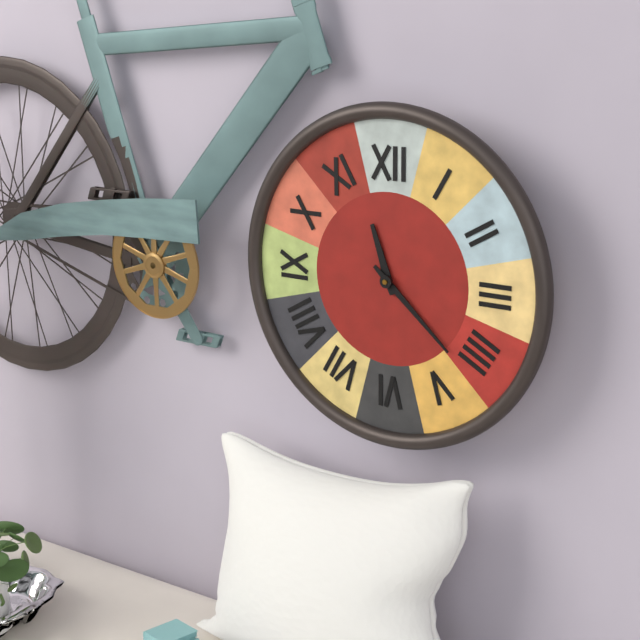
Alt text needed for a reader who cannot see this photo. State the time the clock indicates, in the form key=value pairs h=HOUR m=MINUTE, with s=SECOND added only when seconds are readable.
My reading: h=11 m=22
